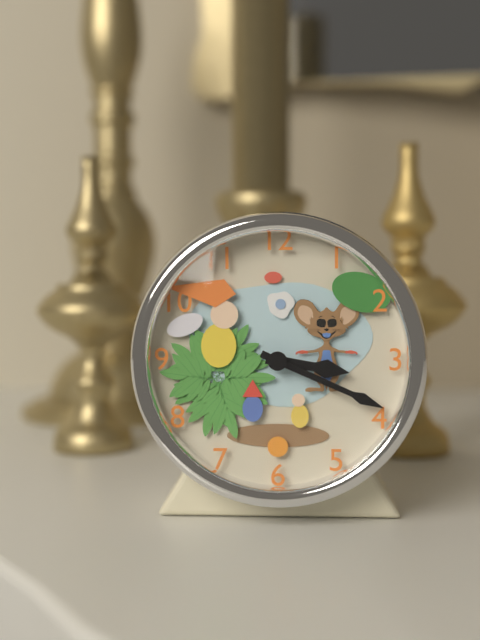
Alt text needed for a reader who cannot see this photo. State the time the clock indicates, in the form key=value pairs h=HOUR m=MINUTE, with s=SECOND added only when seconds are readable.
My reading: h=3 m=19
